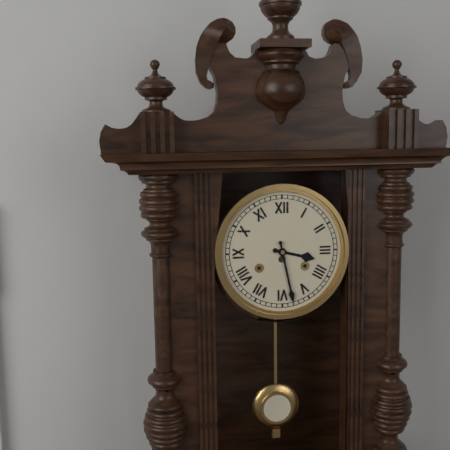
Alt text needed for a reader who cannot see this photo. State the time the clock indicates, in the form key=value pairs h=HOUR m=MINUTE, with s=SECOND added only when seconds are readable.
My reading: h=3 m=28
